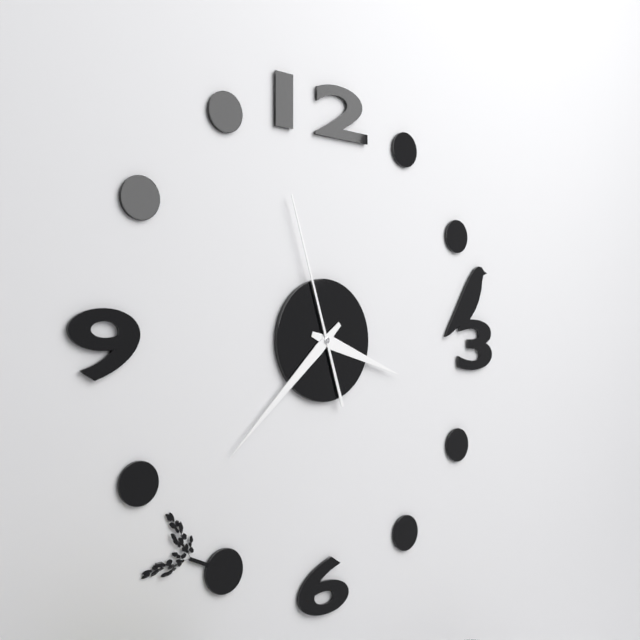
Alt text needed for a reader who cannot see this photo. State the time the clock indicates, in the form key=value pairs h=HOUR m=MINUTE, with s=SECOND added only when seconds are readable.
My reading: h=3 m=38 s=57
